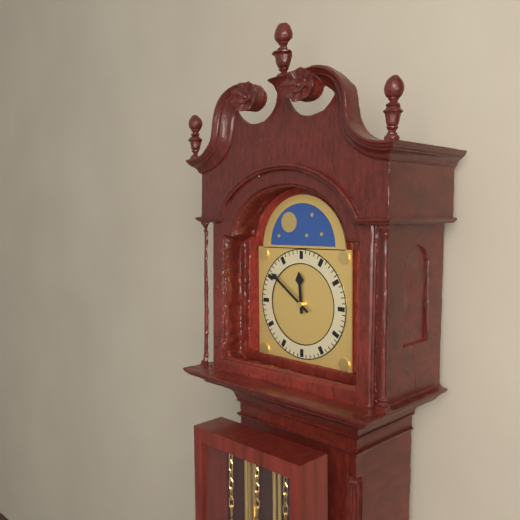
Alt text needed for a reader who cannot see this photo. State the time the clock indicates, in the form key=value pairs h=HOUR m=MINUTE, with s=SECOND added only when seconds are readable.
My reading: h=11 m=51
